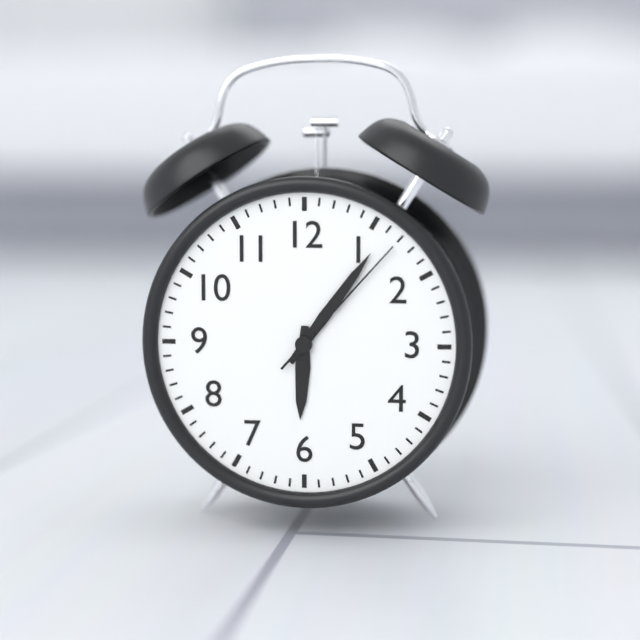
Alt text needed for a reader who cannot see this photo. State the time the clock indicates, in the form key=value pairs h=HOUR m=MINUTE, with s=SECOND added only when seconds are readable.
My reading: h=6 m=6 s=7
